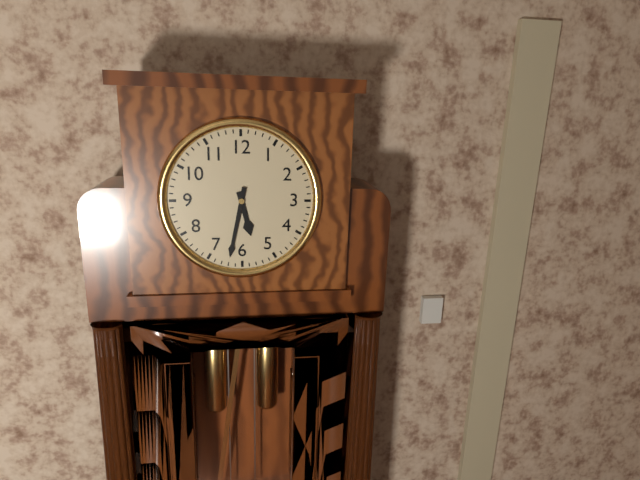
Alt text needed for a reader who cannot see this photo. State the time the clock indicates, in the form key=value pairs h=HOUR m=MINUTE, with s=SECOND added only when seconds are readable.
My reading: h=5 m=32
